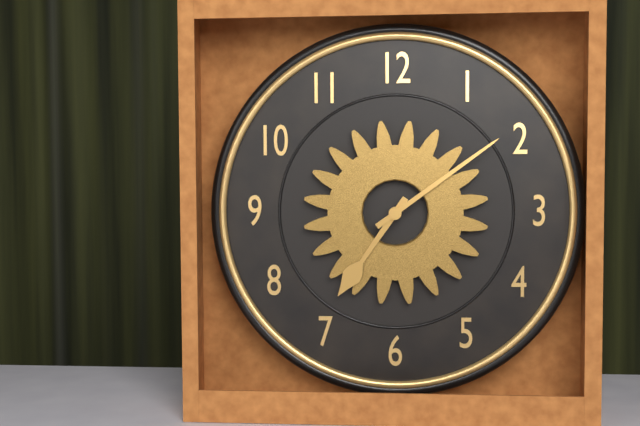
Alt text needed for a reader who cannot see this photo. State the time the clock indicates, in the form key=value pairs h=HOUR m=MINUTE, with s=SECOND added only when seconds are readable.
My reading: h=7 m=9
